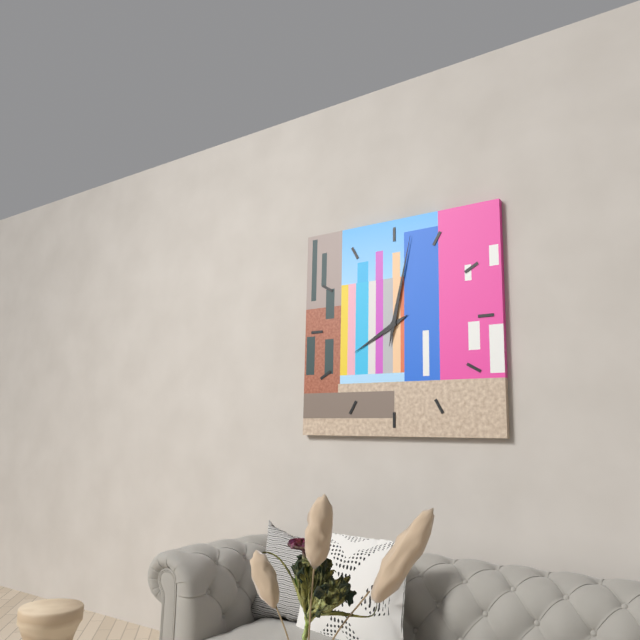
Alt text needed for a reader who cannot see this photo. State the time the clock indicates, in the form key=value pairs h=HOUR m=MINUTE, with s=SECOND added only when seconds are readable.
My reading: h=8 m=2
